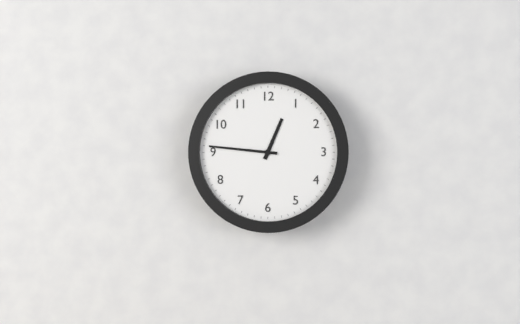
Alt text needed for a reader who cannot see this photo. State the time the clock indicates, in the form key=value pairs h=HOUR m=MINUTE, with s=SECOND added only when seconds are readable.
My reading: h=12 m=46
